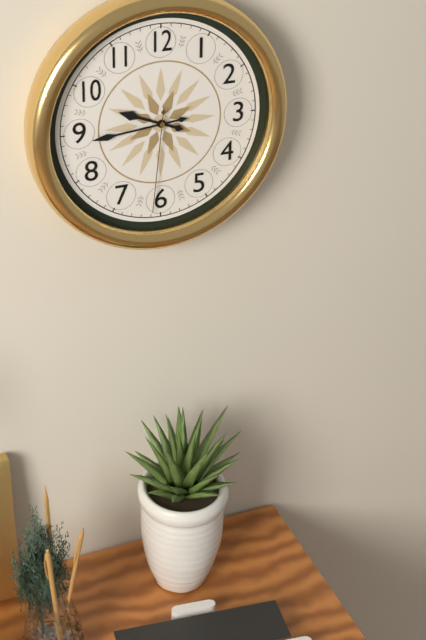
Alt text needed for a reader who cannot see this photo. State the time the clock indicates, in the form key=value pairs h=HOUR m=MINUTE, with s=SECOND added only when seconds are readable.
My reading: h=9 m=44 s=31
